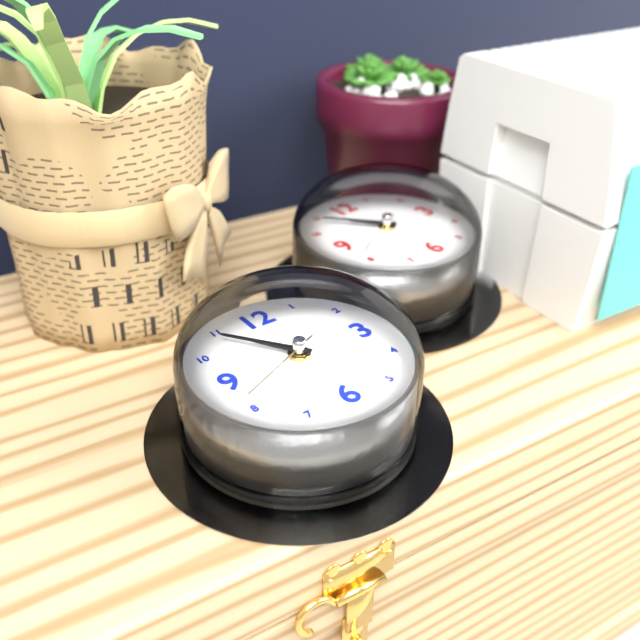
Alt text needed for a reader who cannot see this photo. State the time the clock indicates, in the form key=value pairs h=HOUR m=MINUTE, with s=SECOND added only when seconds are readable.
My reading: h=10 m=54 s=41
